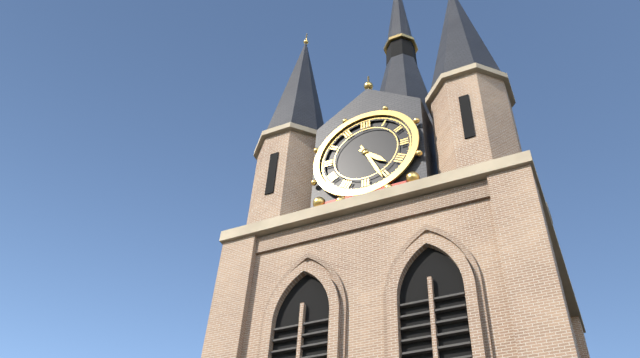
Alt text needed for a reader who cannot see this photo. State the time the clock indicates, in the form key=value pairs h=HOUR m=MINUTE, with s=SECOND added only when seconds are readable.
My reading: h=4 m=26
